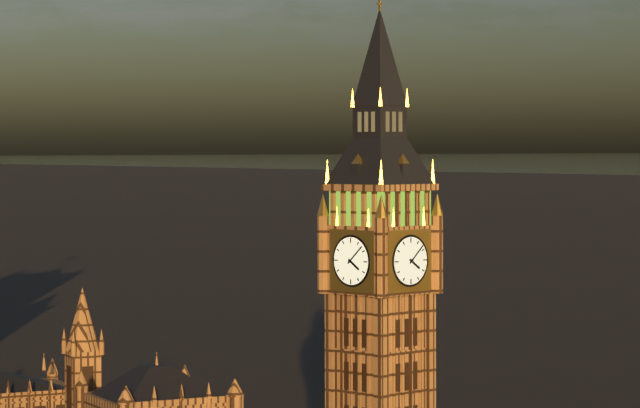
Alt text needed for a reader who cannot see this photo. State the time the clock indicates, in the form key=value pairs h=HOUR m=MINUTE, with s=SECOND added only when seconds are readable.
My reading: h=4 m=8
